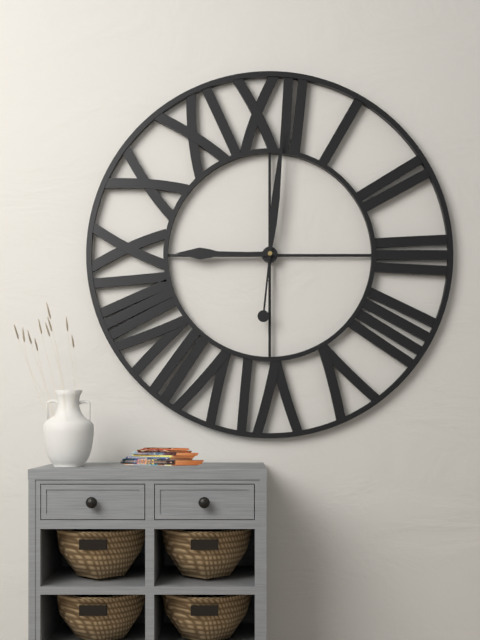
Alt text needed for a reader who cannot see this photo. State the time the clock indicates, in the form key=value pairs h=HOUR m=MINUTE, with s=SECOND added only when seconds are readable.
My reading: h=9 m=1
